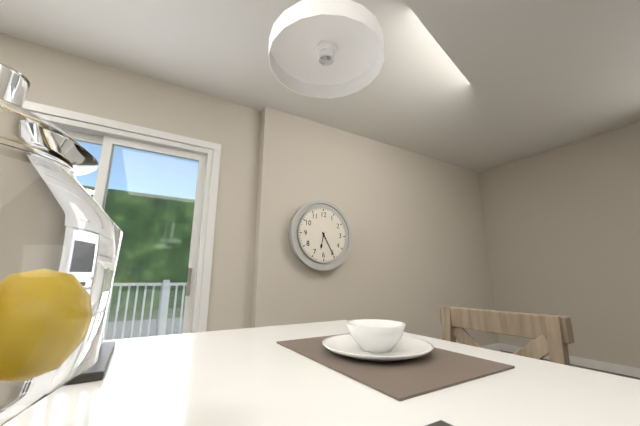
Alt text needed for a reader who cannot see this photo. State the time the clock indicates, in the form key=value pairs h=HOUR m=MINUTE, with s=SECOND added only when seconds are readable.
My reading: h=6 m=25
